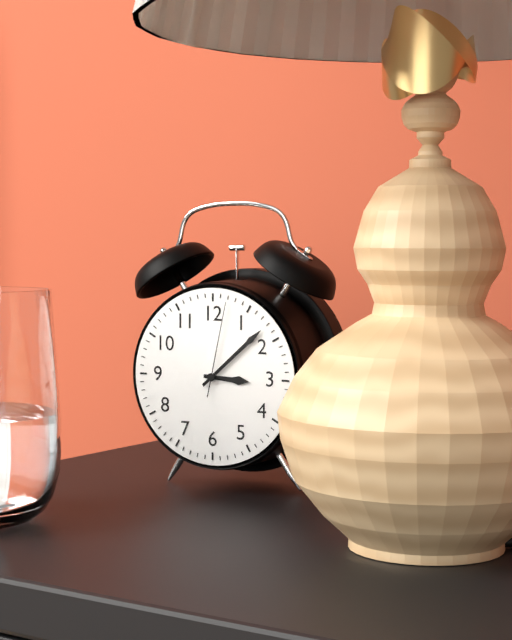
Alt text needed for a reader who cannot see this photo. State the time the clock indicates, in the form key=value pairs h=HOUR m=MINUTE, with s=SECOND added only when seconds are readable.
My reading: h=3 m=8 s=2
